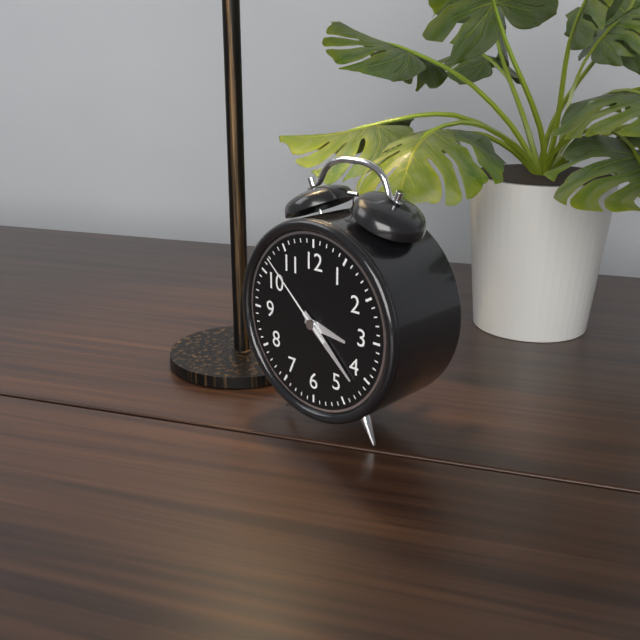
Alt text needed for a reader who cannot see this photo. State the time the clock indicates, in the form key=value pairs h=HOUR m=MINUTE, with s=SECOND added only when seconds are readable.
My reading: h=3 m=22 s=52
